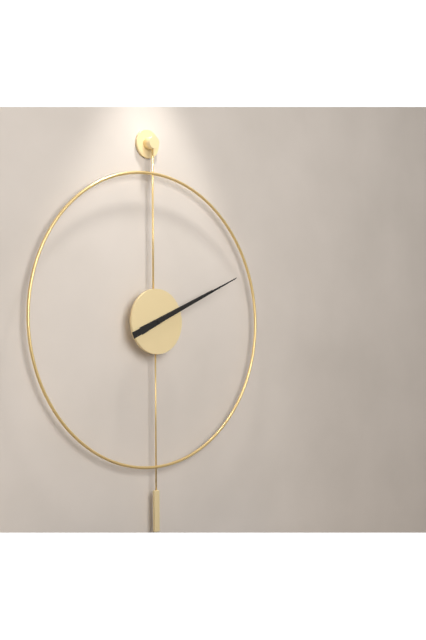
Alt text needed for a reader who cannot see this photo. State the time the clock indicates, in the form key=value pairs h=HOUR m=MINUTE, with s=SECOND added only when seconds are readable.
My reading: h=2 m=11
